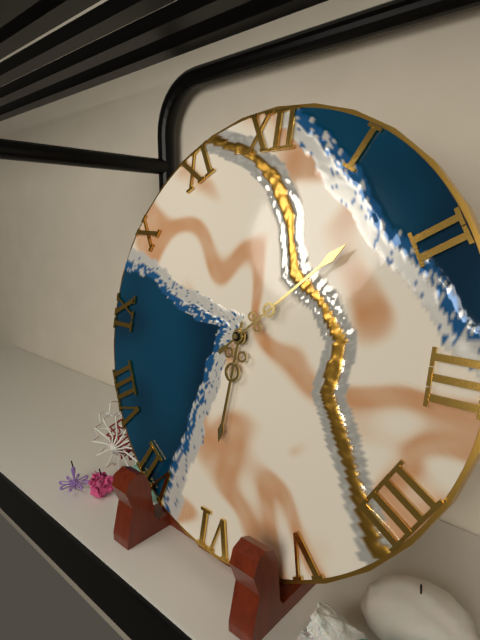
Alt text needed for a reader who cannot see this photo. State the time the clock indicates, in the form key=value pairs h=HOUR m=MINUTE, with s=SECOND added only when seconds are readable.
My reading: h=6 m=8
